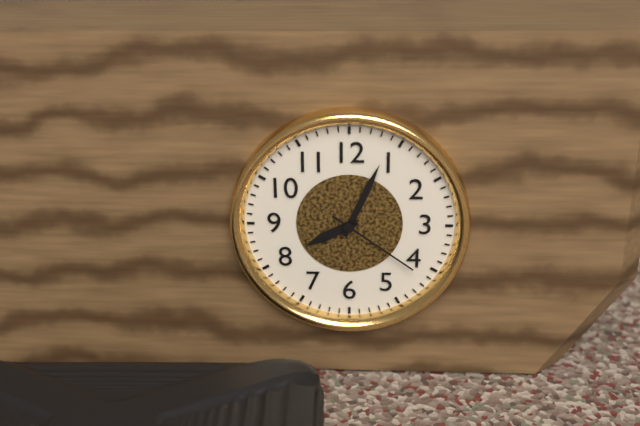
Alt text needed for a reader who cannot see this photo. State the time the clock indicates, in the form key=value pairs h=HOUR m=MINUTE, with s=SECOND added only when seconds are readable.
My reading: h=8 m=4 s=21
